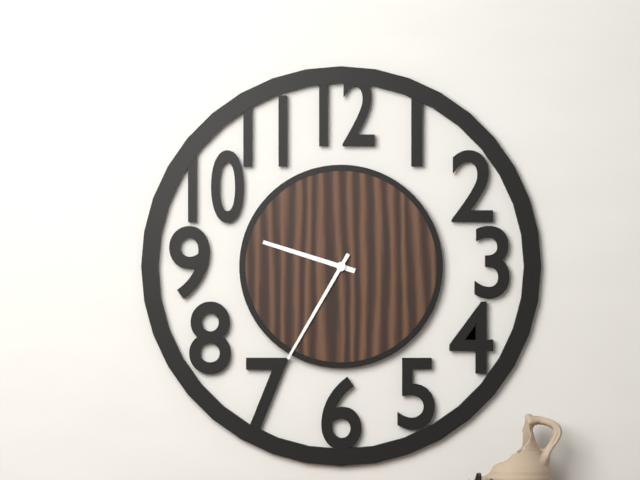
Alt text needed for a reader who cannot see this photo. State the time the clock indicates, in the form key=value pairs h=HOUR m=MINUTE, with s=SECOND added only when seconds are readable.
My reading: h=9 m=35
